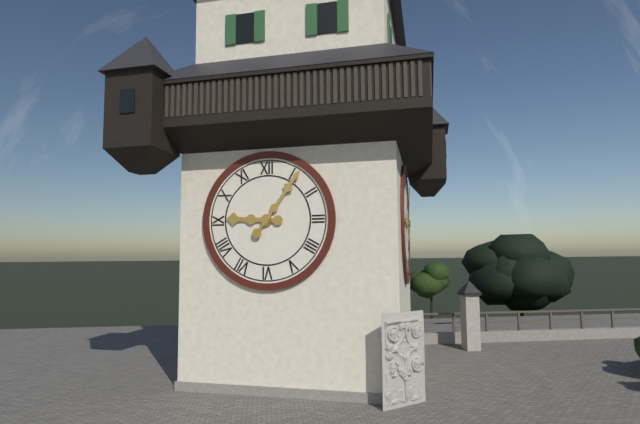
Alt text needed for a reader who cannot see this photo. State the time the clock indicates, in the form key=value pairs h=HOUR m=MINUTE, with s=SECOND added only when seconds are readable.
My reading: h=9 m=6
